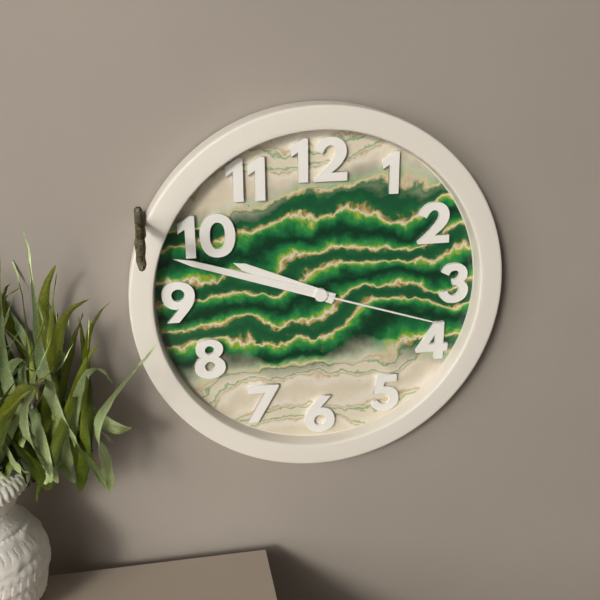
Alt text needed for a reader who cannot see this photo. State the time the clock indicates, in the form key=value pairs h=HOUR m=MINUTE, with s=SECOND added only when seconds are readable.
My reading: h=9 m=48 s=18
